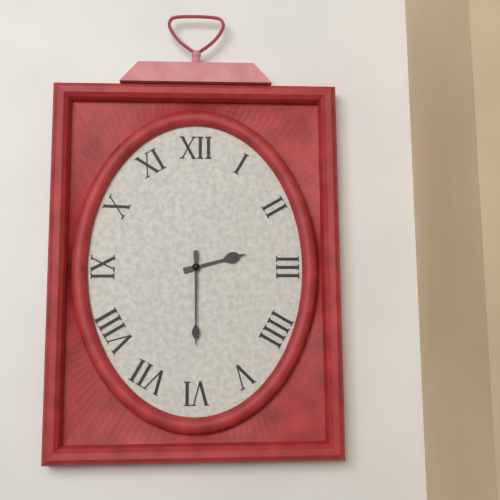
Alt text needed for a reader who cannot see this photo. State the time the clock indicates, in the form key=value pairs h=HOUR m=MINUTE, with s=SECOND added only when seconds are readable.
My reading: h=2 m=30
